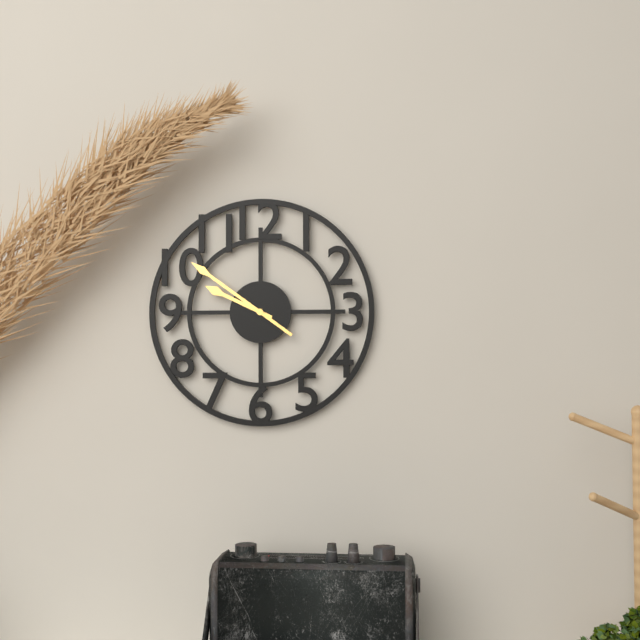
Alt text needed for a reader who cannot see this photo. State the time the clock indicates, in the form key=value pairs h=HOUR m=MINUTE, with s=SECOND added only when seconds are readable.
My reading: h=9 m=51
